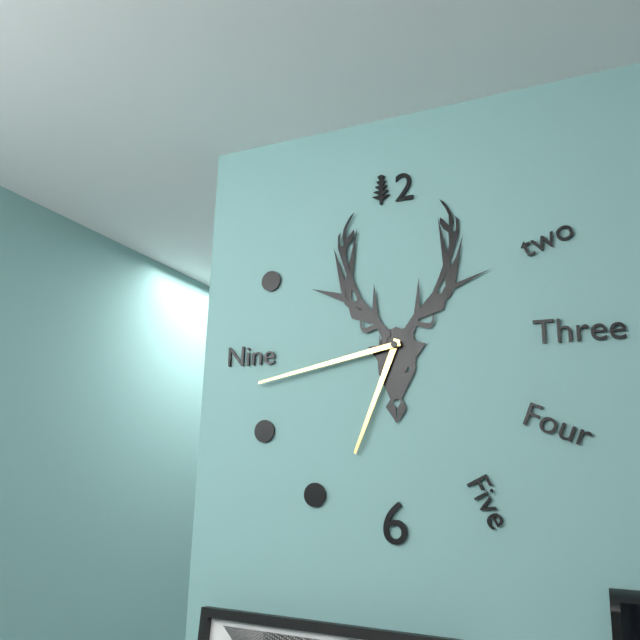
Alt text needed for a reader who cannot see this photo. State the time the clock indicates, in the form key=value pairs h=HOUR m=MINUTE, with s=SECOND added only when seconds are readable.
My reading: h=6 m=43
